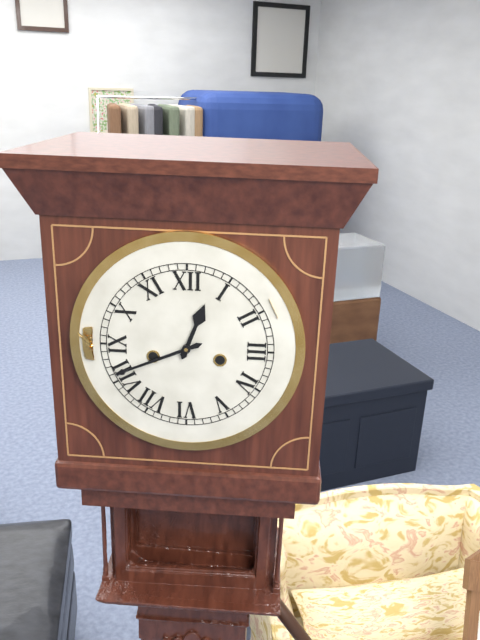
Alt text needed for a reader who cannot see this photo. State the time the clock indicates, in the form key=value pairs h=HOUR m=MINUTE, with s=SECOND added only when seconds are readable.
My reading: h=12 m=41
